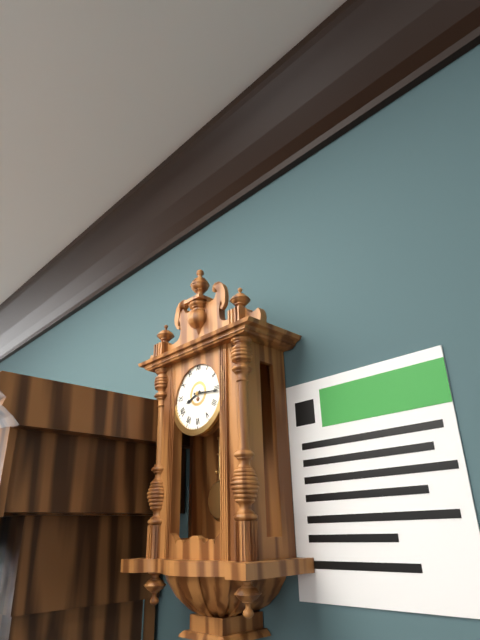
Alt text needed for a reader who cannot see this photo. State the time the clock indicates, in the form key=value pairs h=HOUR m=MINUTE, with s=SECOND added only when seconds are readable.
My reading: h=8 m=16
